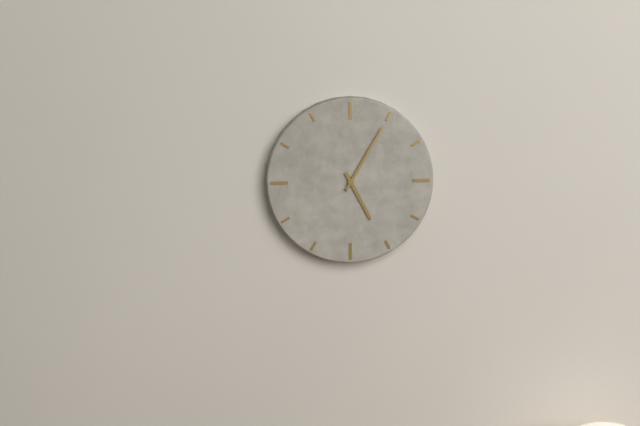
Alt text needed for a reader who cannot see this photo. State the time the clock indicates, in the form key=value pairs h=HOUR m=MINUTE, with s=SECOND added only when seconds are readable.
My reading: h=5 m=5
